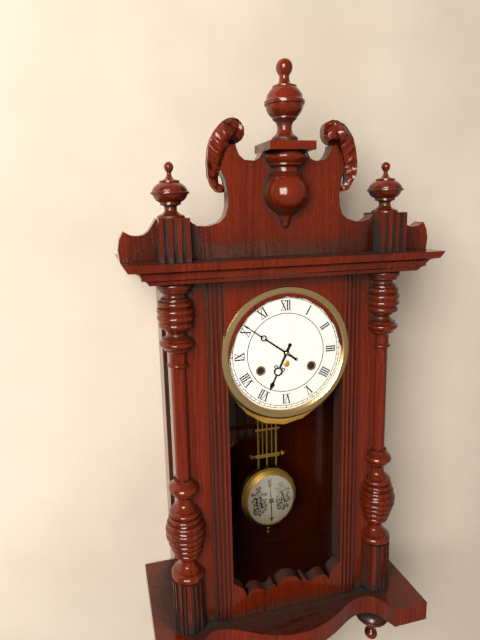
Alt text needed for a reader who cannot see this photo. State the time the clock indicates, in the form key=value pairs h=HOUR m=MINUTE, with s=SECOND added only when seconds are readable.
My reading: h=6 m=51
